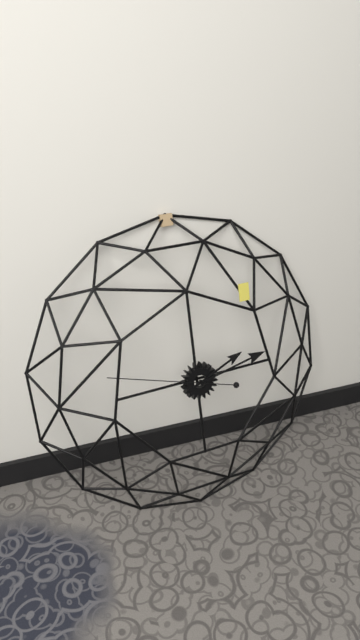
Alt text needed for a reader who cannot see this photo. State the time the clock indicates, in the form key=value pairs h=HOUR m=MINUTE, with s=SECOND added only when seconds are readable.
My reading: h=2 m=13 s=48
